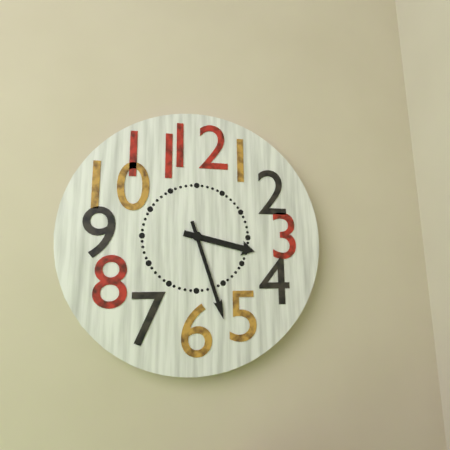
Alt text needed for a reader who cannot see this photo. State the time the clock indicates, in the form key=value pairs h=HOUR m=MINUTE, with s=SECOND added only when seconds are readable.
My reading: h=3 m=27
